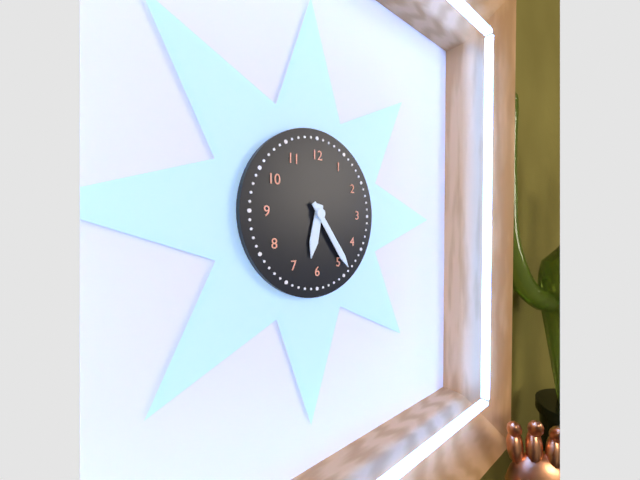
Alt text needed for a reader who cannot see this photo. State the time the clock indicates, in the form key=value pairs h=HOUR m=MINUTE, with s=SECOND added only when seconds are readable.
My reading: h=6 m=24
